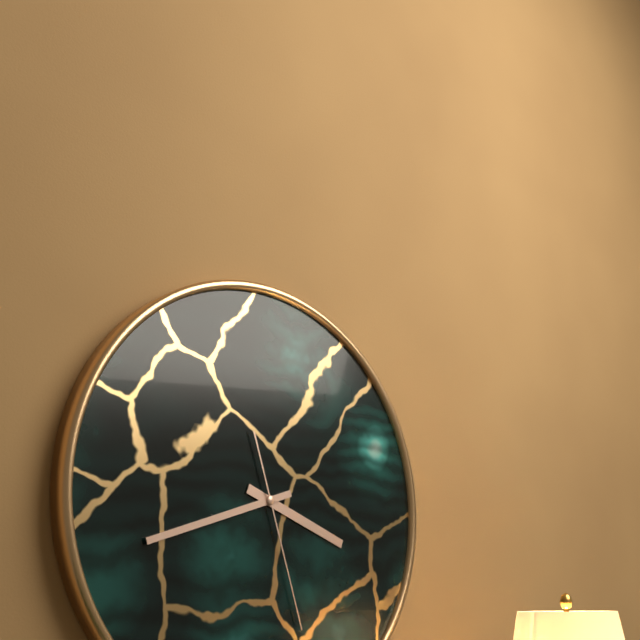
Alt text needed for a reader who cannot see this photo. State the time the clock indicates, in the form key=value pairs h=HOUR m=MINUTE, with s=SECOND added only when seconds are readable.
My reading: h=3 m=42 s=27
